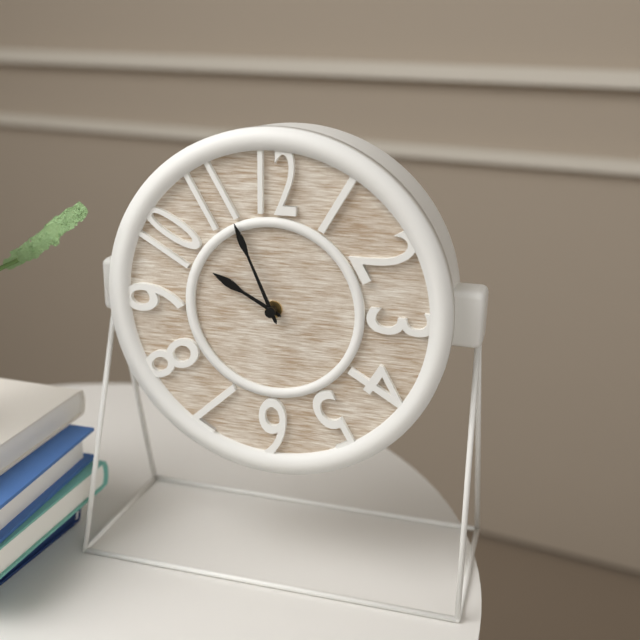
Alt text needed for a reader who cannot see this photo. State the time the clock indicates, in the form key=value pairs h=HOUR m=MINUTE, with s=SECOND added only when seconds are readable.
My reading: h=9 m=56
